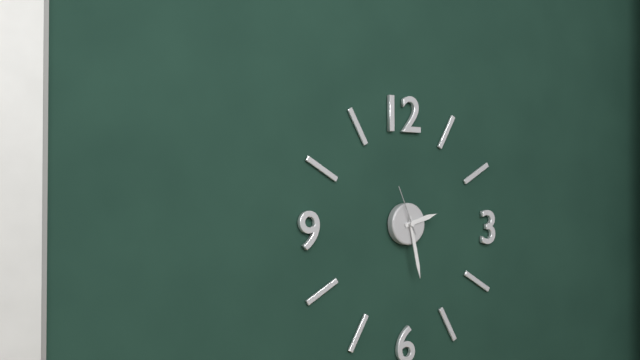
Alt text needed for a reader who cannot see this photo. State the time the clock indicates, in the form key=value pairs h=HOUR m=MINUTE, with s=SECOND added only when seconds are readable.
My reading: h=2 m=28 s=56
